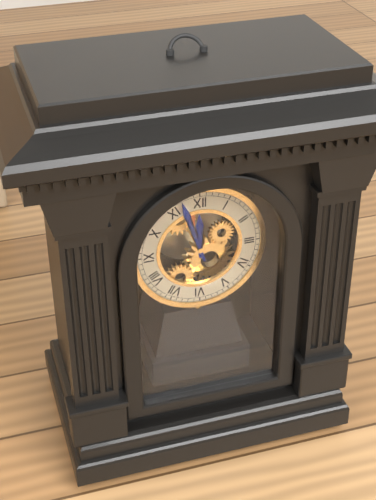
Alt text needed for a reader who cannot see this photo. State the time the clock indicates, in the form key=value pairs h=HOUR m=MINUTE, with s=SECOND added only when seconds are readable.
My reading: h=11 m=57
